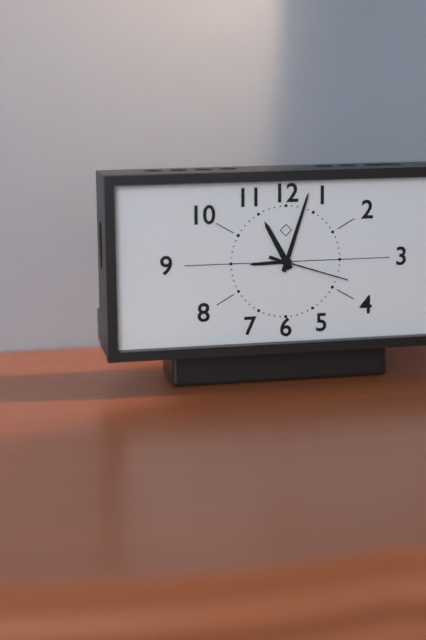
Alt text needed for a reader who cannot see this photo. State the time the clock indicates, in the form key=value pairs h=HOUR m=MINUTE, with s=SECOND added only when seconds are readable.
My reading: h=11 m=3 s=18
